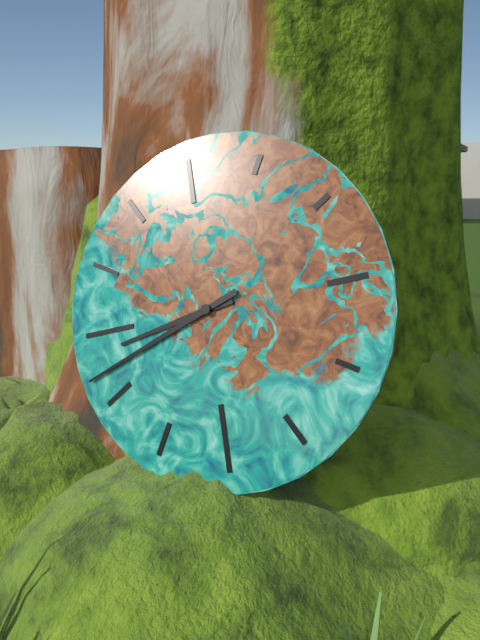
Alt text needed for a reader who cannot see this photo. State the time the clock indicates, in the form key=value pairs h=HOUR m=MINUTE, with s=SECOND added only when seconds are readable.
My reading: h=8 m=42
